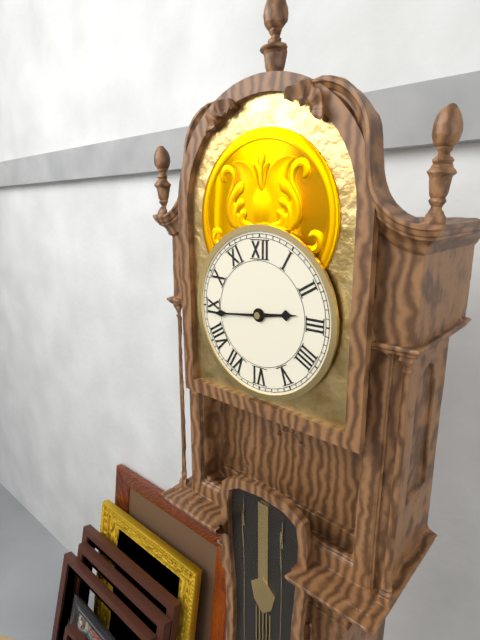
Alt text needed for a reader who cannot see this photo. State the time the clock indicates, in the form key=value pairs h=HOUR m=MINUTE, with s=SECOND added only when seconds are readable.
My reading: h=2 m=44
